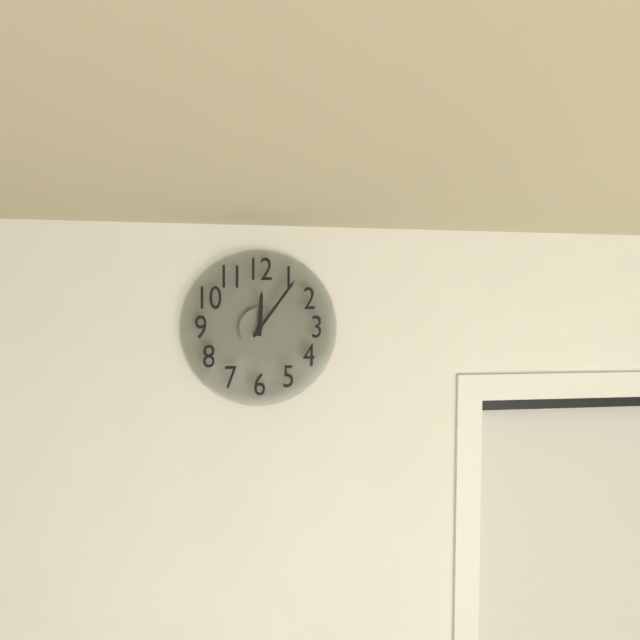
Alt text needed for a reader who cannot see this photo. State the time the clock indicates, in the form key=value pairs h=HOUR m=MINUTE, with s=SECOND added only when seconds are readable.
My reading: h=12 m=6
